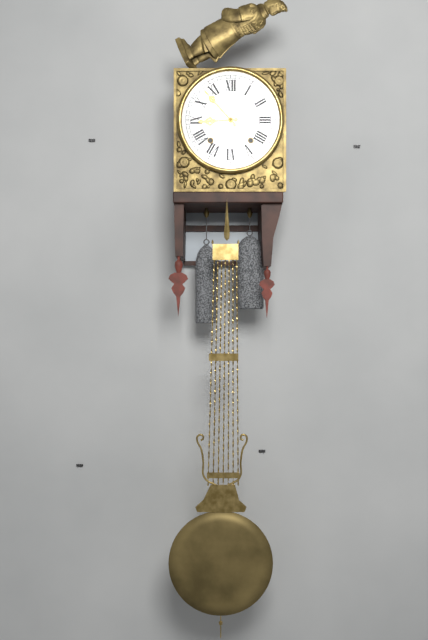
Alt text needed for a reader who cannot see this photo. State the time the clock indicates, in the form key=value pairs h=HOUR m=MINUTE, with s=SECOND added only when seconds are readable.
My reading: h=8 m=53
